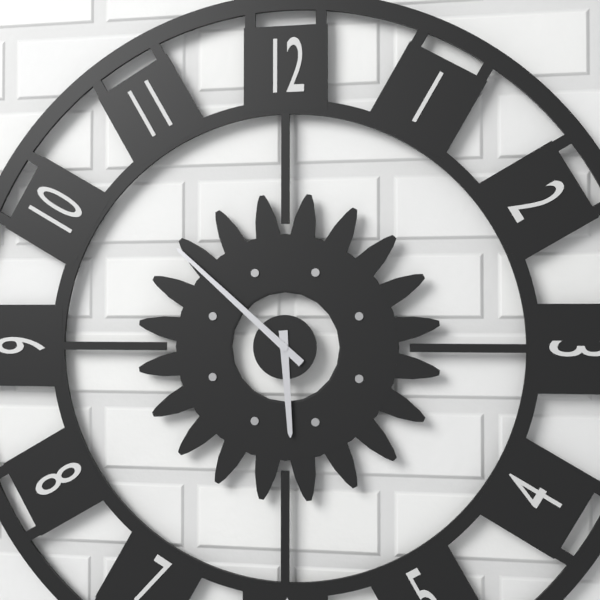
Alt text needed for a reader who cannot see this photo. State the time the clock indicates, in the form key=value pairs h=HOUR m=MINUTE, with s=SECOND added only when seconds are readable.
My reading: h=5 m=52
